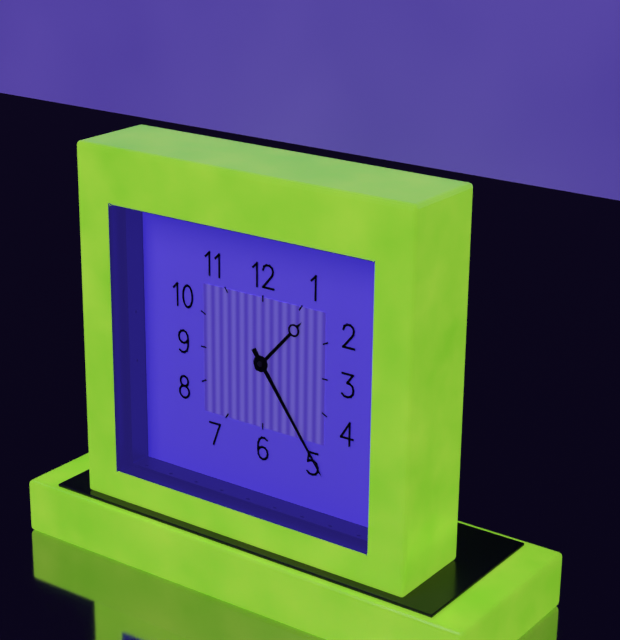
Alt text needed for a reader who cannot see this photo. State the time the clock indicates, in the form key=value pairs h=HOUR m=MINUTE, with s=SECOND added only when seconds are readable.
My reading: h=1 m=24
